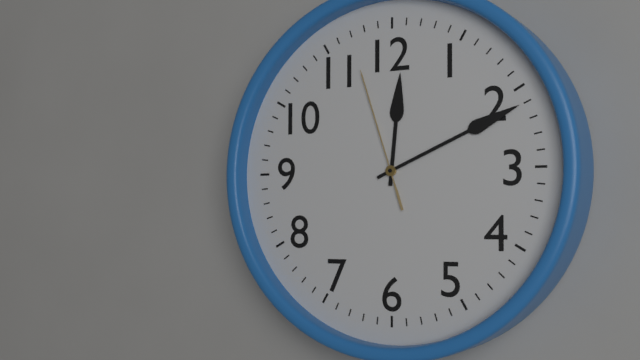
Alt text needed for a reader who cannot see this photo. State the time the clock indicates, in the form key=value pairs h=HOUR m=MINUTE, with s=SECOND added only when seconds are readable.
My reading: h=12 m=11 s=57
